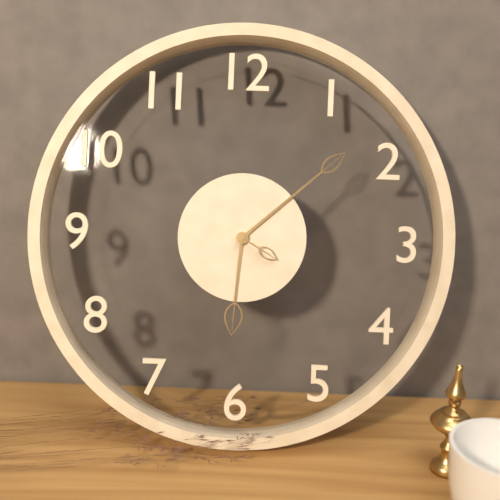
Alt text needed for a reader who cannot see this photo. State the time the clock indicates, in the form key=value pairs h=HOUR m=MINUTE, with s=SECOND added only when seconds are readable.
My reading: h=6 m=8 s=20
